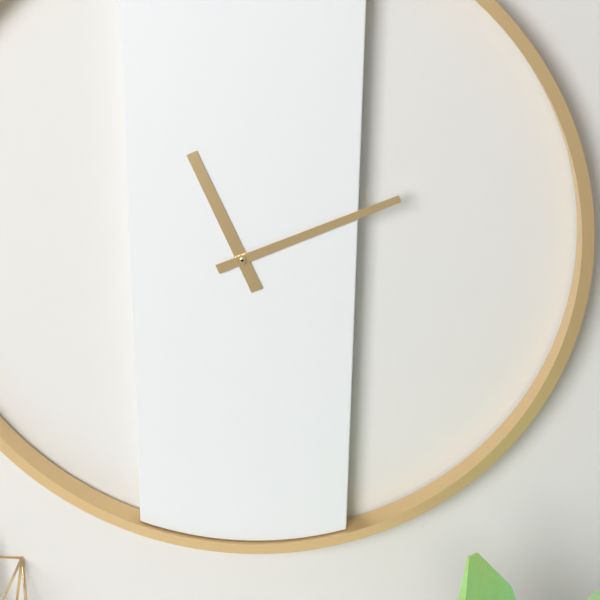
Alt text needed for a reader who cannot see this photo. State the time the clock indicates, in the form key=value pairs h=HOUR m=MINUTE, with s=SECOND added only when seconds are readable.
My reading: h=11 m=11
